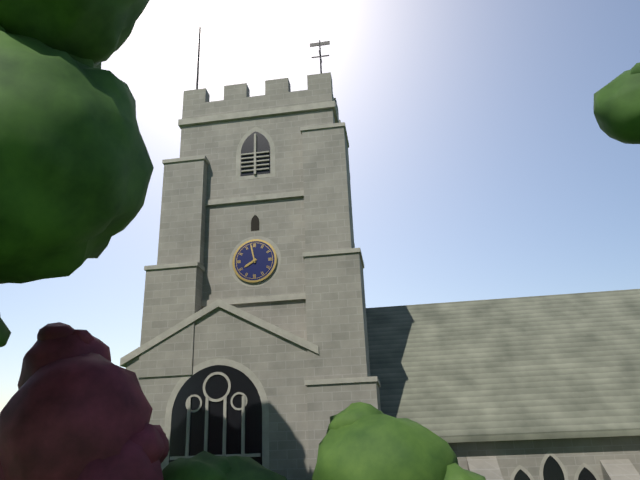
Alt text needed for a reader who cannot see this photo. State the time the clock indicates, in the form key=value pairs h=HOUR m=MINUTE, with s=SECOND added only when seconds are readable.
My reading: h=7 m=58
